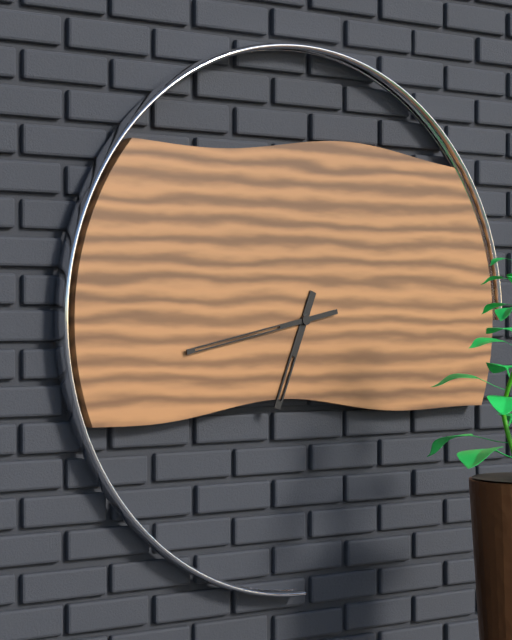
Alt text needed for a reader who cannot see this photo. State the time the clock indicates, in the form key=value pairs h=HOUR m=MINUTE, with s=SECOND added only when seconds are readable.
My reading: h=6 m=43
